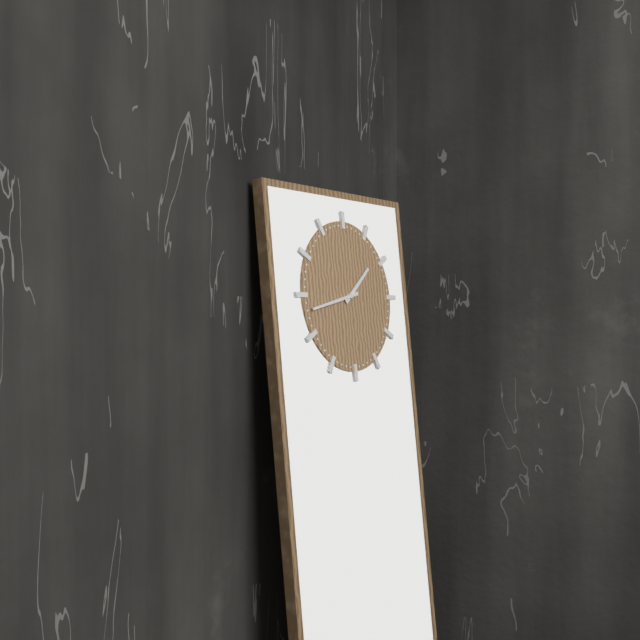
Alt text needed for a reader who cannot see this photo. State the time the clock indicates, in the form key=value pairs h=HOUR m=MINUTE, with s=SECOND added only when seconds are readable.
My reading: h=1 m=43
